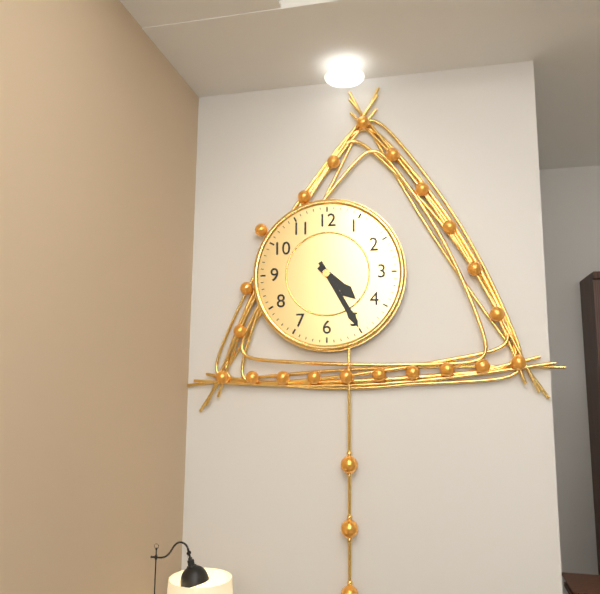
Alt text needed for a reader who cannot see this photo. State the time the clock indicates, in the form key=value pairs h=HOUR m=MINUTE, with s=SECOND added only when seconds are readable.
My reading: h=4 m=25
